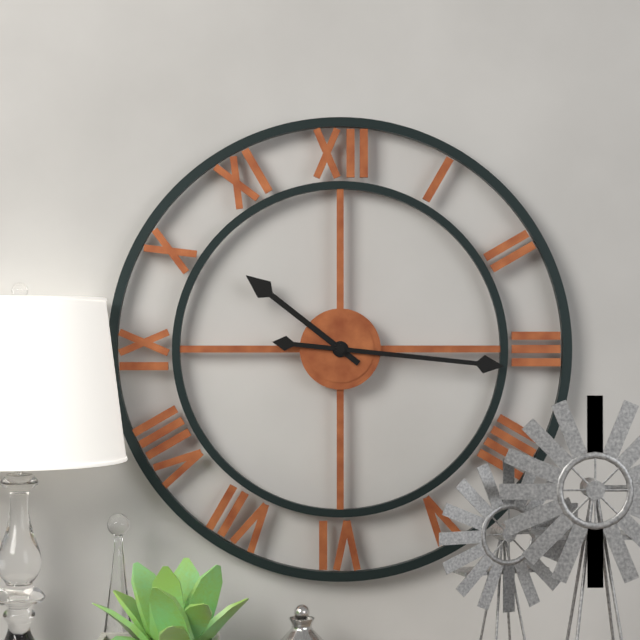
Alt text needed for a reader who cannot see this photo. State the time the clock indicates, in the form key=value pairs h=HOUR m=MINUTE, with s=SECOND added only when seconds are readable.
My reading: h=10 m=16
